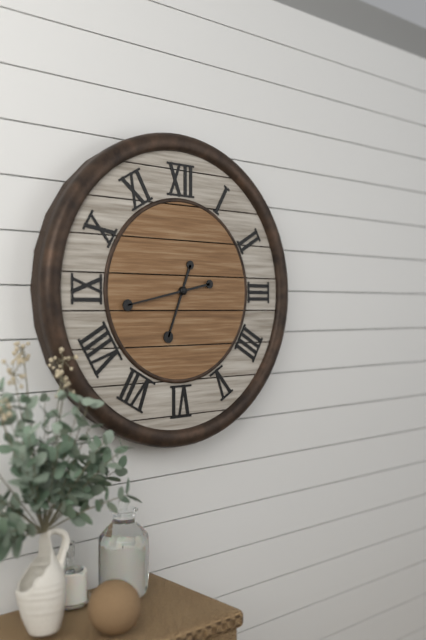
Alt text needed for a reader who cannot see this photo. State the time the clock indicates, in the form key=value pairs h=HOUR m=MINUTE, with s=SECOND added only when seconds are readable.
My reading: h=6 m=43
